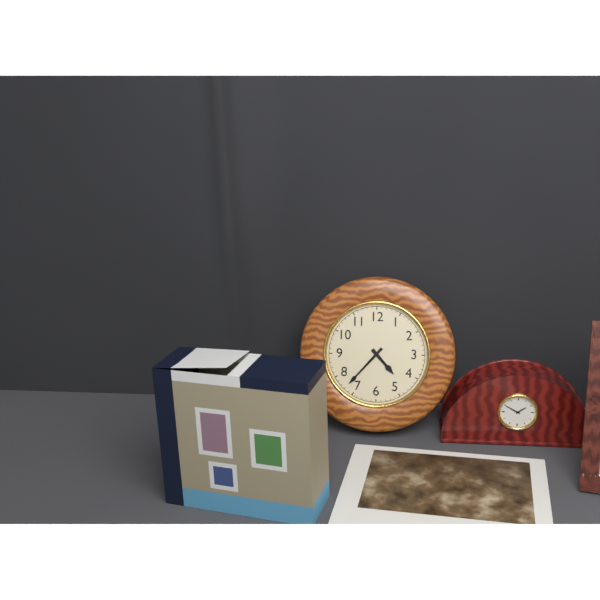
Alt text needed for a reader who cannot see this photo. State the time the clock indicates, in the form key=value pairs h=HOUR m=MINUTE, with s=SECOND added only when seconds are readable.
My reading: h=4 m=37
